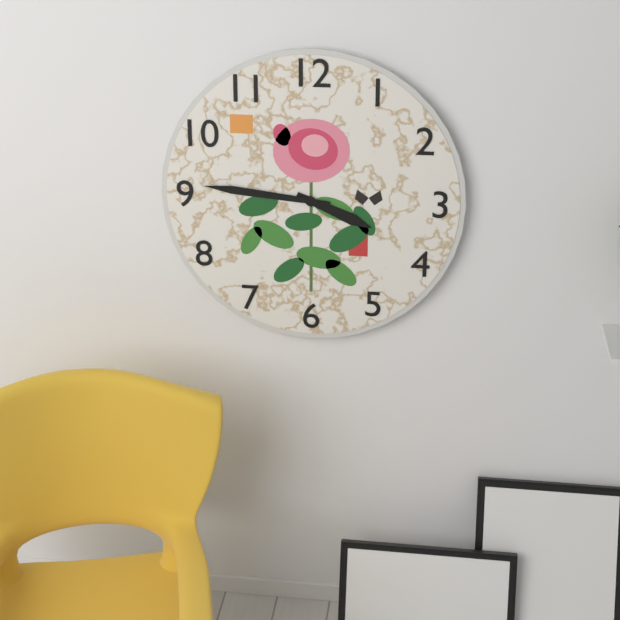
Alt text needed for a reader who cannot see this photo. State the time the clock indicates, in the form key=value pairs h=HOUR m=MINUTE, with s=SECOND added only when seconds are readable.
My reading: h=3 m=46
